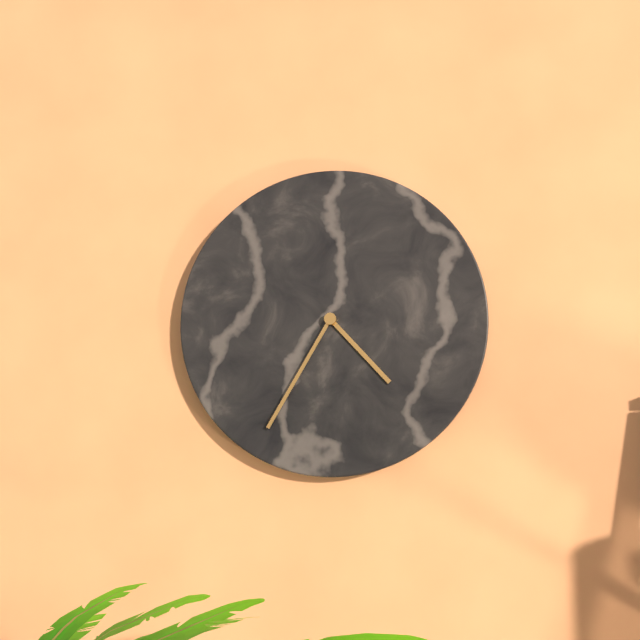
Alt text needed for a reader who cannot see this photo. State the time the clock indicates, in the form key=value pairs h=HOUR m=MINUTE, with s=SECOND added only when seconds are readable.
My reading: h=4 m=35
